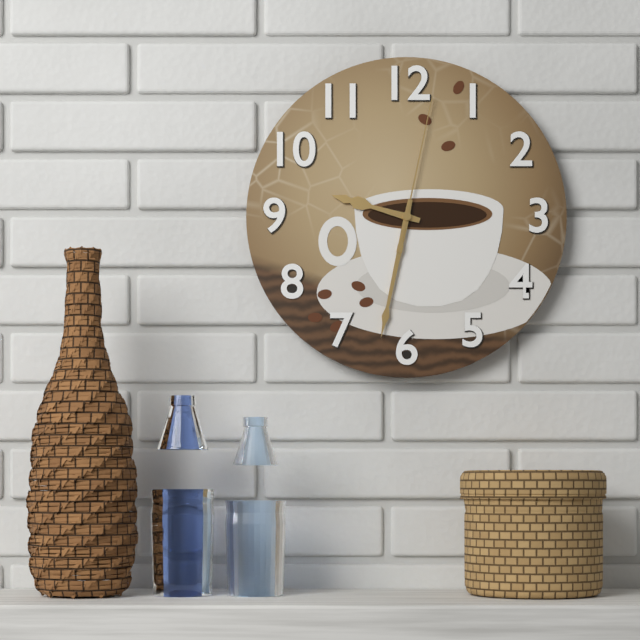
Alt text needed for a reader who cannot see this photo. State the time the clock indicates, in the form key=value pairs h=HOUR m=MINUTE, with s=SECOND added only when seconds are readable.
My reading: h=9 m=32 s=2
